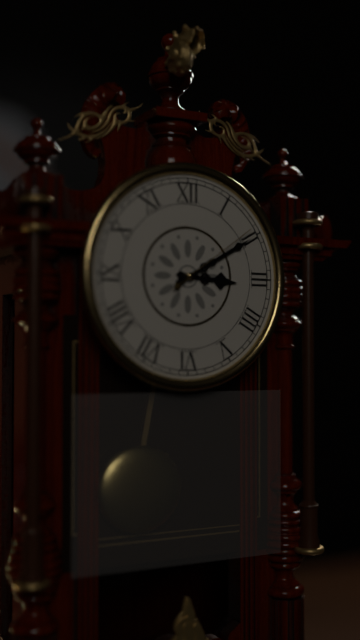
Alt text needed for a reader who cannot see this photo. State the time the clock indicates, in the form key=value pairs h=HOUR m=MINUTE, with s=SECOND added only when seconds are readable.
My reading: h=3 m=10 s=9
